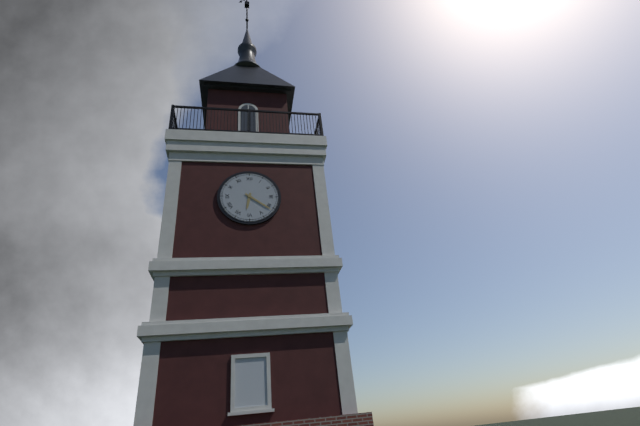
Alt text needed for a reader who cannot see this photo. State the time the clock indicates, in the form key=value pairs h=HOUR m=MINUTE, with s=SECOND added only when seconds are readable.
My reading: h=6 m=21
